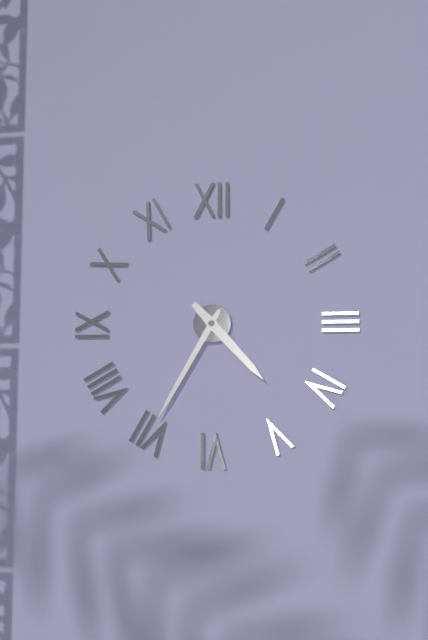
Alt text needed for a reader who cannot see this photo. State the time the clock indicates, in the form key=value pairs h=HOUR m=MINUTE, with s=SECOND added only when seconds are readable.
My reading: h=4 m=35
